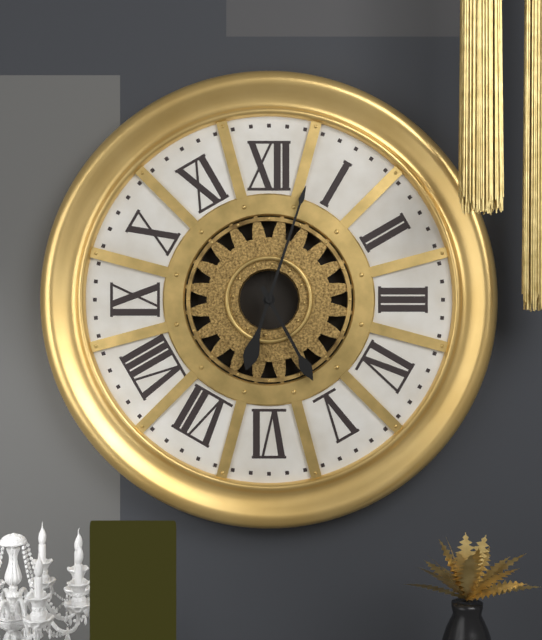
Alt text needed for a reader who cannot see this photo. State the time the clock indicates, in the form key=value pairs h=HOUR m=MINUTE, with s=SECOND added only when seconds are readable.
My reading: h=5 m=3
